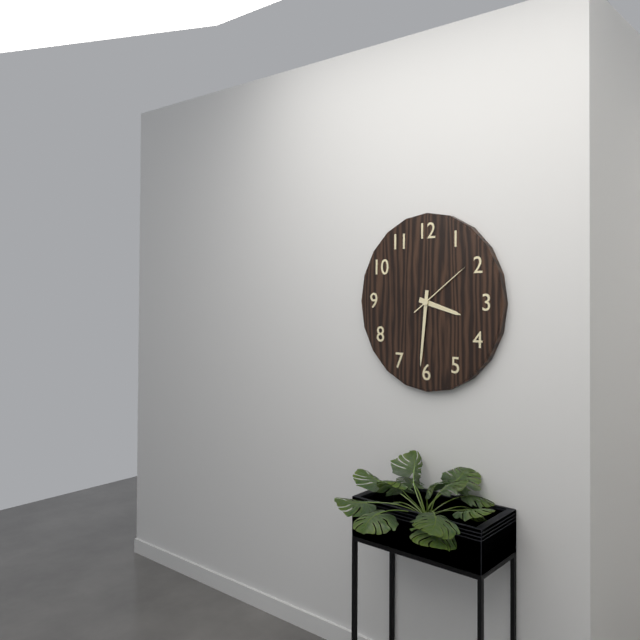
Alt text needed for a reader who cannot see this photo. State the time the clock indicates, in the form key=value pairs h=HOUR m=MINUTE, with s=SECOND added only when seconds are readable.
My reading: h=3 m=31 s=9
